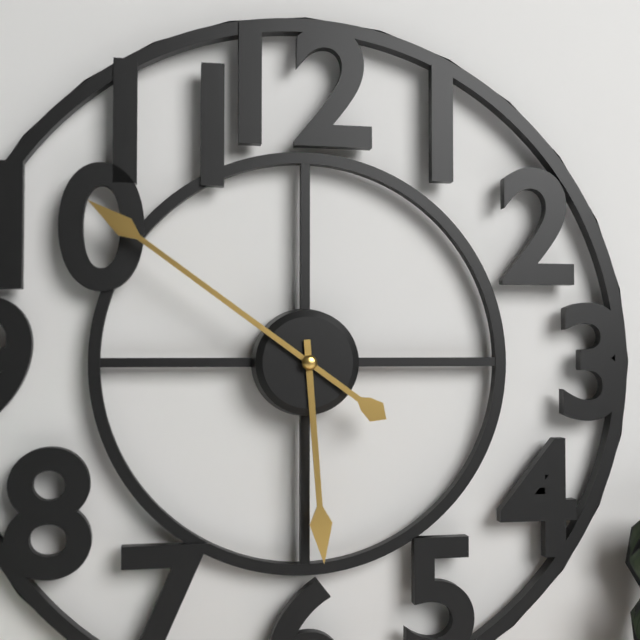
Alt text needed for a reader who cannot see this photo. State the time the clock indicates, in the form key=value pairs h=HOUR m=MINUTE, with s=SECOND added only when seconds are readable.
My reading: h=5 m=51
